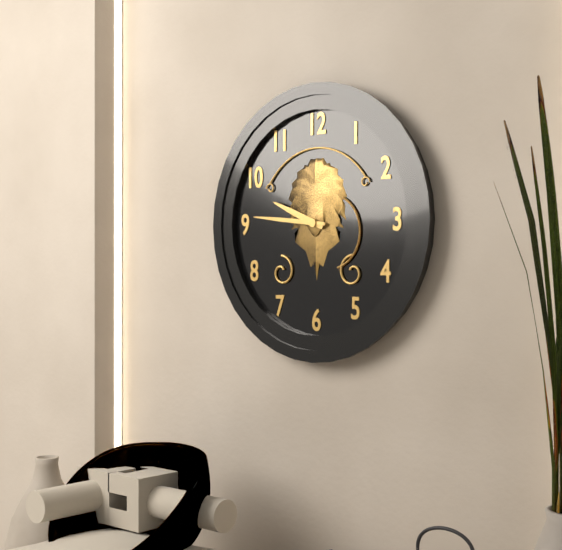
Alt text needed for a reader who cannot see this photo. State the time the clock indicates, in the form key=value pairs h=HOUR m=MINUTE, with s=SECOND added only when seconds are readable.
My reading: h=9 m=46
